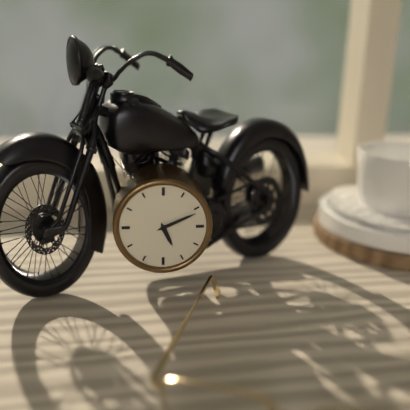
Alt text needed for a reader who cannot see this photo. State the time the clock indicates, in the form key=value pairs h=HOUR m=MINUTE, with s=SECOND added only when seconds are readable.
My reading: h=5 m=11
